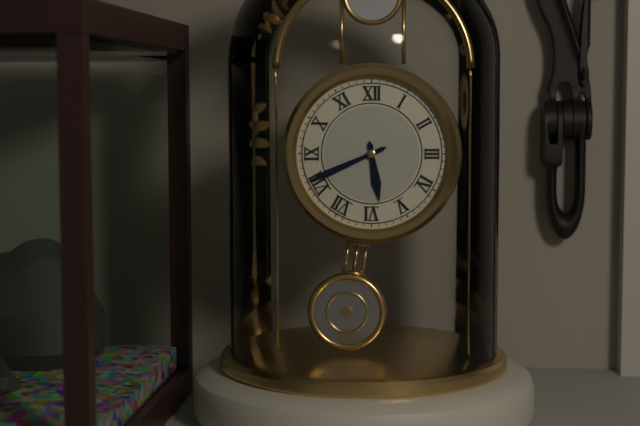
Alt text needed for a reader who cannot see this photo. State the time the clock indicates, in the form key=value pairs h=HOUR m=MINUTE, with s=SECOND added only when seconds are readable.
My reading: h=5 m=41
